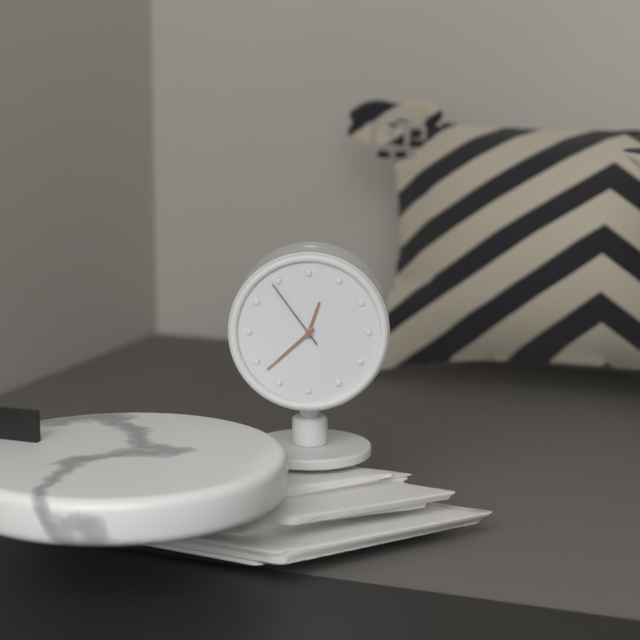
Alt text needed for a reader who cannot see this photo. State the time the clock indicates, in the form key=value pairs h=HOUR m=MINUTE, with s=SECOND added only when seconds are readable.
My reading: h=12 m=38 s=54
